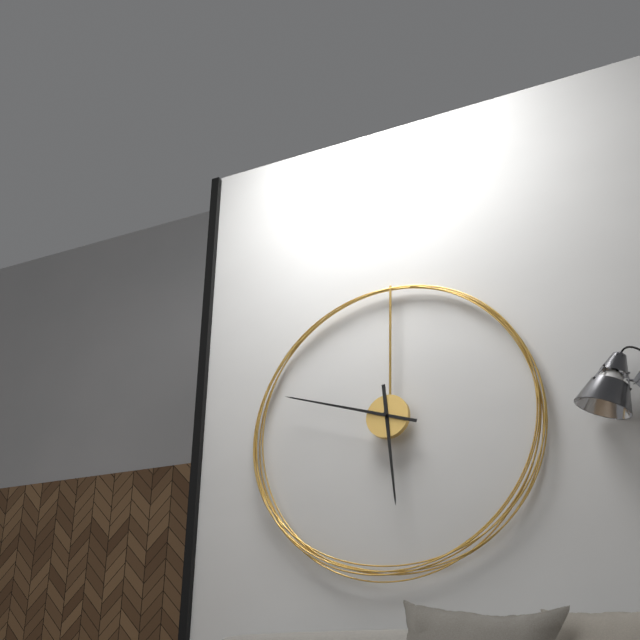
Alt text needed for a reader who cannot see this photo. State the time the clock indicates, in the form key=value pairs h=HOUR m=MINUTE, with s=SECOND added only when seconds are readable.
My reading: h=5 m=48
